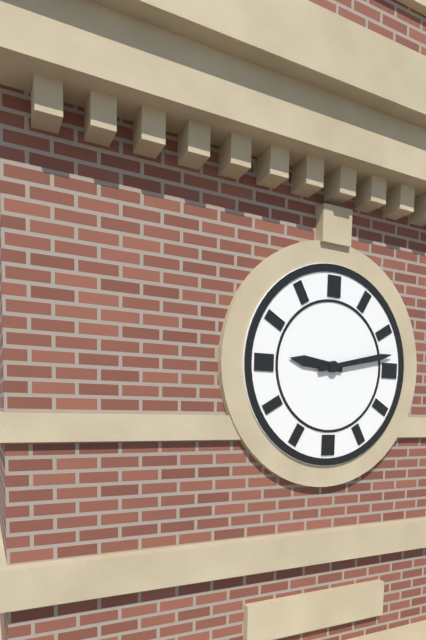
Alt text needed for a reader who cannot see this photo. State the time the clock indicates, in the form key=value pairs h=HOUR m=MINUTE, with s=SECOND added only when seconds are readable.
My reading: h=9 m=13
